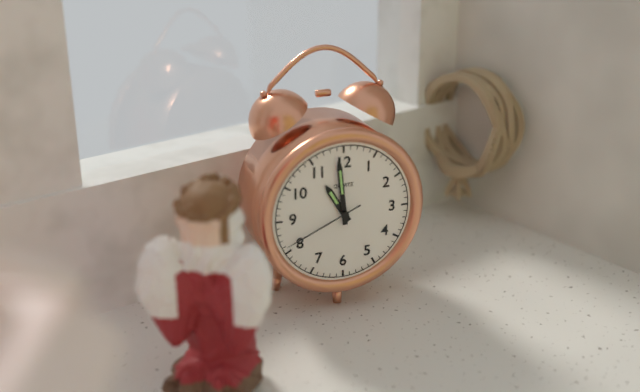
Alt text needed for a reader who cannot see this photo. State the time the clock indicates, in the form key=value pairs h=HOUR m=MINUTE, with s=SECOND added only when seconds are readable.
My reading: h=10 m=59 s=41
